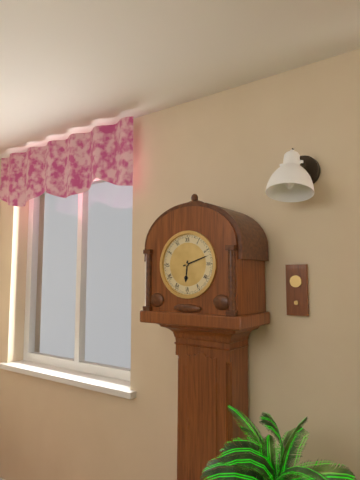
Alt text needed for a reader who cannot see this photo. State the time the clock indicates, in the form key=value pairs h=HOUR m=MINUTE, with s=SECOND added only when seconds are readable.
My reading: h=6 m=12
